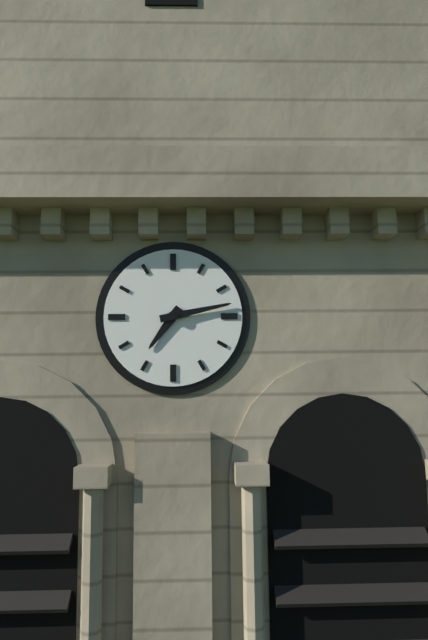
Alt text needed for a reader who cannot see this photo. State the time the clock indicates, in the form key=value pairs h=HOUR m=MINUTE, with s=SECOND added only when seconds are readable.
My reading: h=7 m=13
